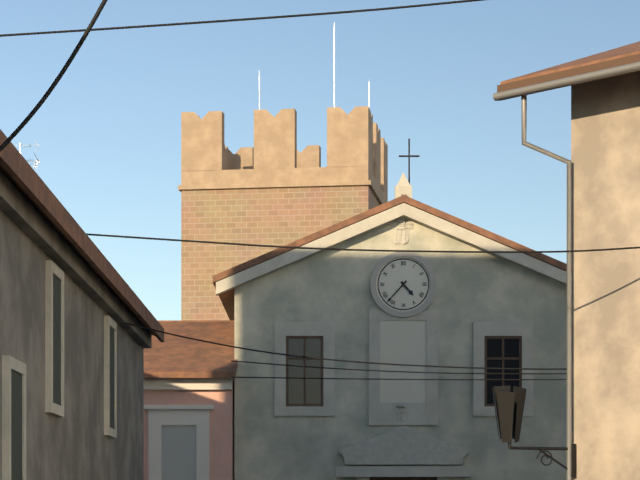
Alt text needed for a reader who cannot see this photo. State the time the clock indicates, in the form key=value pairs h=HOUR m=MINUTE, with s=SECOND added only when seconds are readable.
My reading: h=4 m=37
